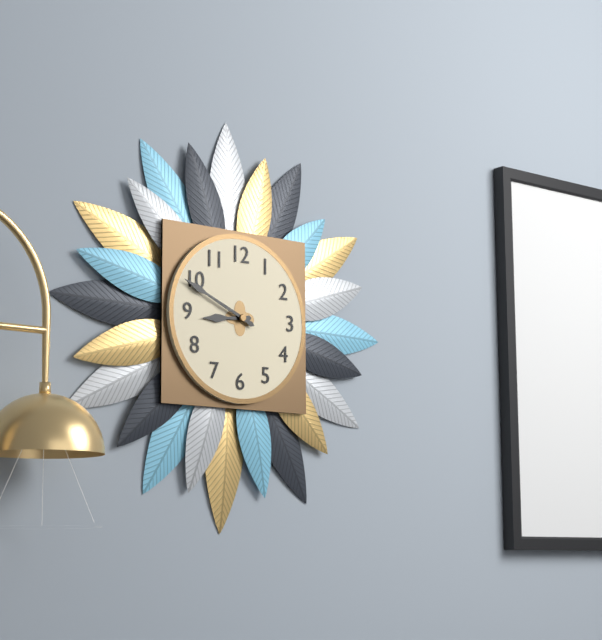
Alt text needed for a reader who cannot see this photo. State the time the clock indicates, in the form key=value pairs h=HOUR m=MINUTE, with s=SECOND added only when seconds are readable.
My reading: h=8 m=49
